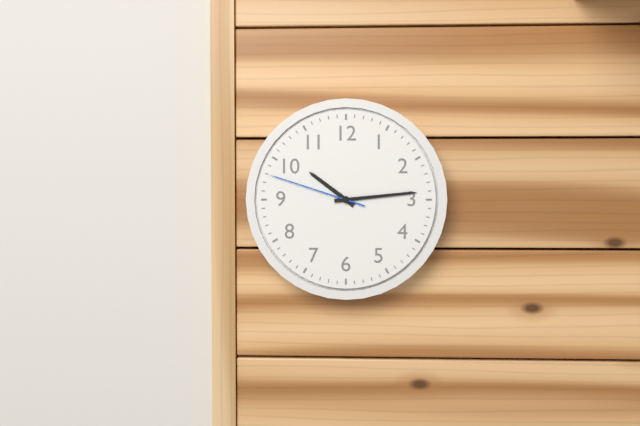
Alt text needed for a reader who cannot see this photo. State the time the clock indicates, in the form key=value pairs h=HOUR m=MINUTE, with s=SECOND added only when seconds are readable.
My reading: h=10 m=14 s=48
